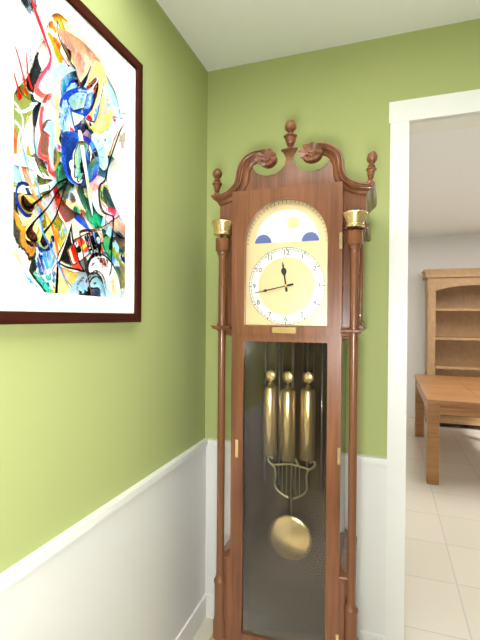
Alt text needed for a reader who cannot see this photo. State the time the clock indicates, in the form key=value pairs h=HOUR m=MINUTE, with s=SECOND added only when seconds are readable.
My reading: h=11 m=43
